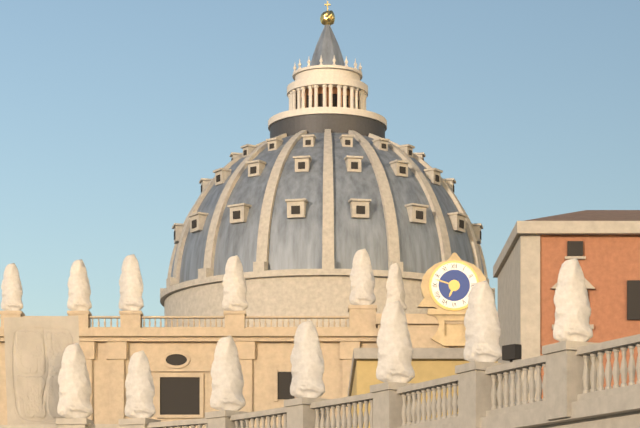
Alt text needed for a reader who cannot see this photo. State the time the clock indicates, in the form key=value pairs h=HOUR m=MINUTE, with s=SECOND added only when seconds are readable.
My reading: h=6 m=48
